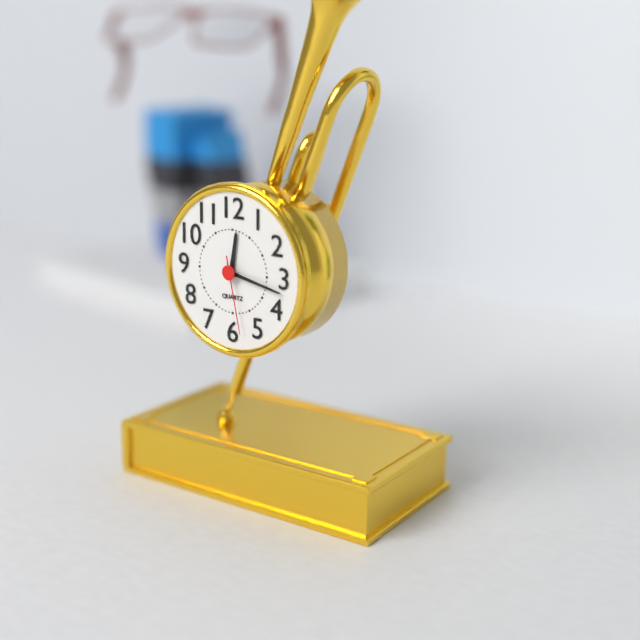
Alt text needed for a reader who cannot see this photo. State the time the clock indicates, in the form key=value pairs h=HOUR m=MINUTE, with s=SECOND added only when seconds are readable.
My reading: h=12 m=17 s=28
